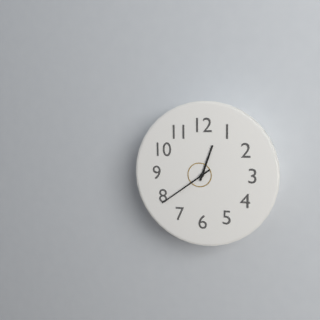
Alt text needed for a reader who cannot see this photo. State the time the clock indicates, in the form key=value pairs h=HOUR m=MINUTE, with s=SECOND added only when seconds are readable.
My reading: h=12 m=39
